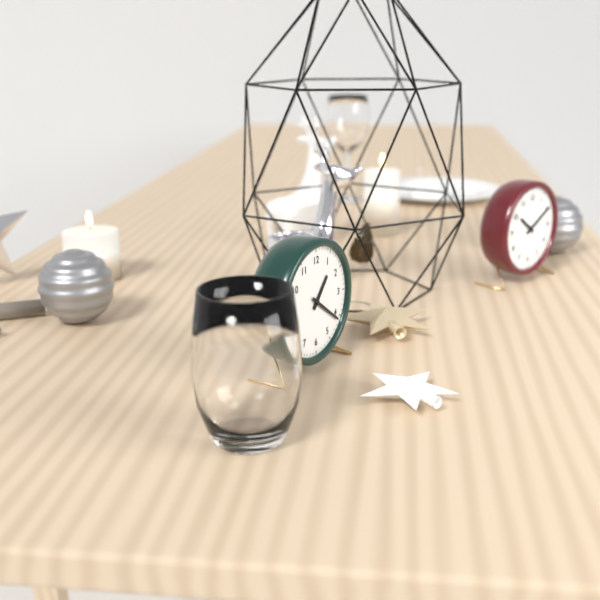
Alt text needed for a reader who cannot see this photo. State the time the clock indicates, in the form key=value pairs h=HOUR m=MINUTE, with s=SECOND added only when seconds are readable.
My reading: h=1 m=21
